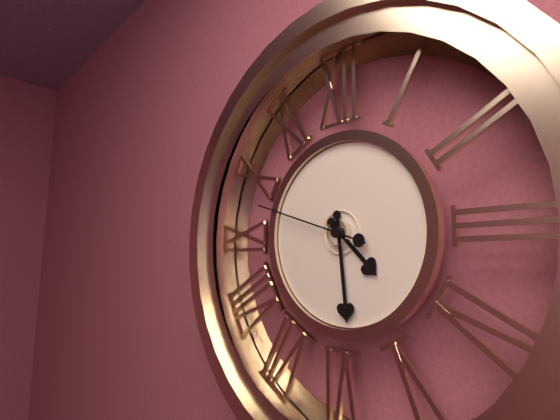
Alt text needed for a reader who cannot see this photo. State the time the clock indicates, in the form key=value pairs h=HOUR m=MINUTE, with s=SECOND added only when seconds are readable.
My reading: h=4 m=29 s=48
